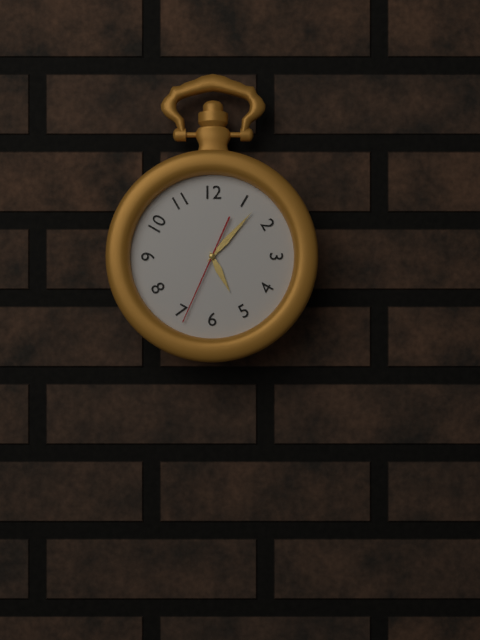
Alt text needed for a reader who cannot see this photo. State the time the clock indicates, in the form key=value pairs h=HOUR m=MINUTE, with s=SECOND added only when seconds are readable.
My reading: h=5 m=7 s=34
